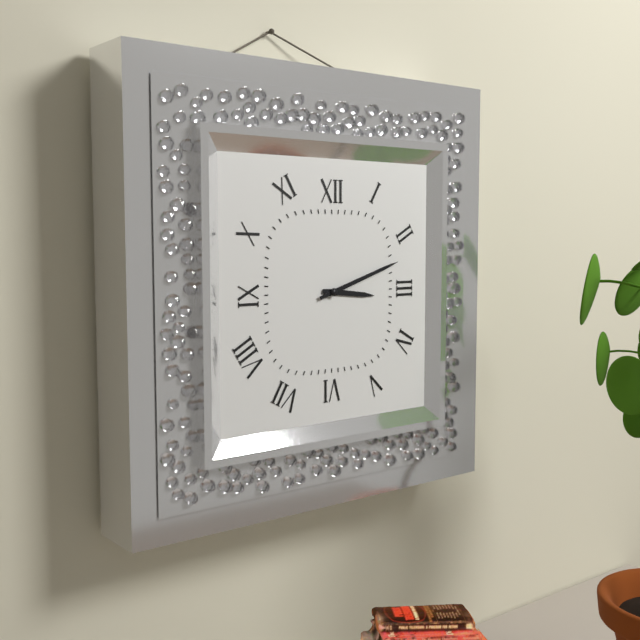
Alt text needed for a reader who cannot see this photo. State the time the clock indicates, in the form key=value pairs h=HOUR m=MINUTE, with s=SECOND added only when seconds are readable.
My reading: h=3 m=12
